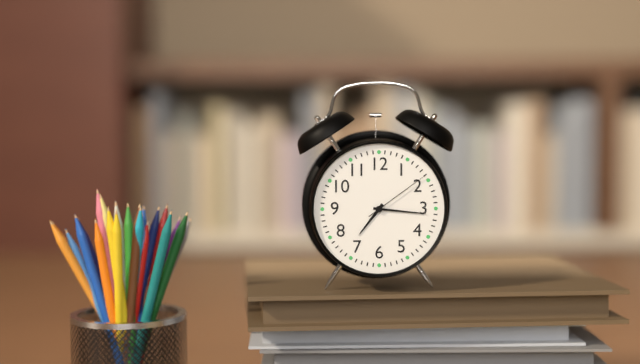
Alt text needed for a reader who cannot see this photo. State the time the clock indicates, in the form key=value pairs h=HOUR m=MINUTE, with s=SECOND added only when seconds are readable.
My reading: h=7 m=16 s=9
